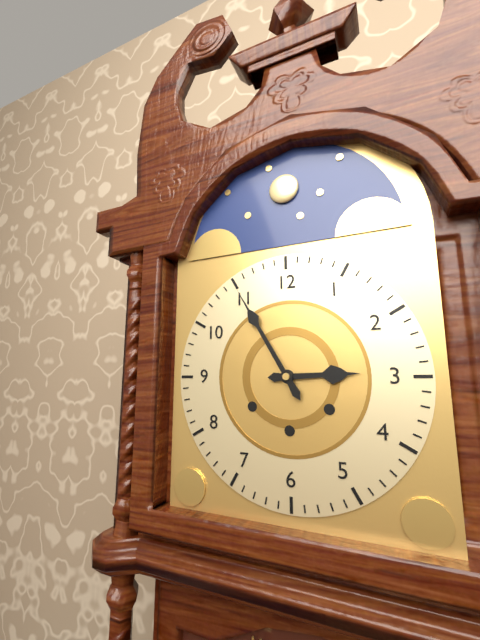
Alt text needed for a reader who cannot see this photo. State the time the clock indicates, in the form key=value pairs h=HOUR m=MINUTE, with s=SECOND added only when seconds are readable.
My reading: h=2 m=55
